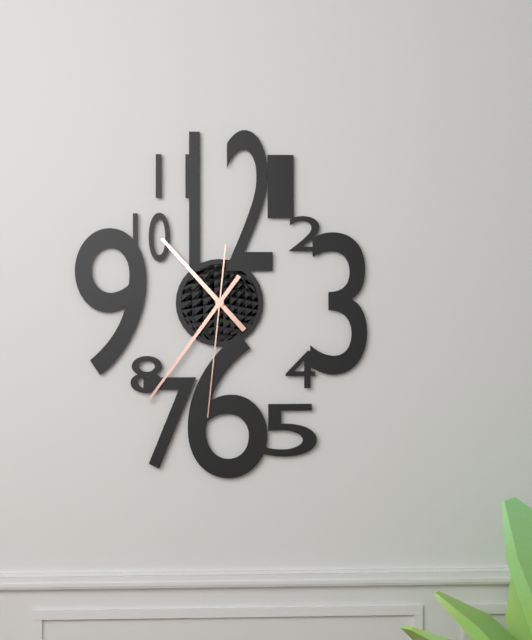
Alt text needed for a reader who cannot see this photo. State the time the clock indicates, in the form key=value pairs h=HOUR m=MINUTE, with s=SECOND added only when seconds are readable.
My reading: h=10 m=36 s=31
